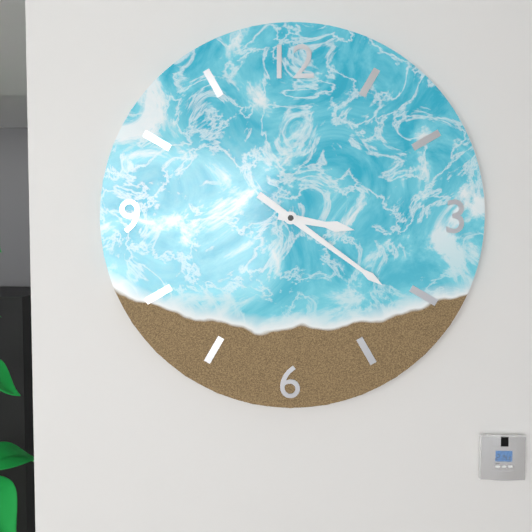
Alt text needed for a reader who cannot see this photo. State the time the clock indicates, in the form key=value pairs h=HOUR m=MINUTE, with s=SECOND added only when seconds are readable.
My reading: h=3 m=21
